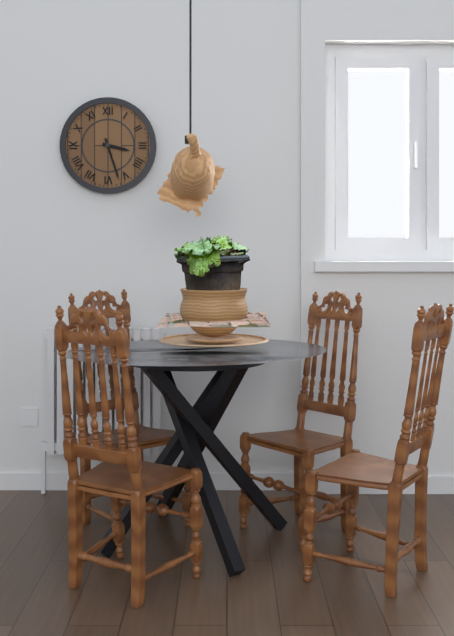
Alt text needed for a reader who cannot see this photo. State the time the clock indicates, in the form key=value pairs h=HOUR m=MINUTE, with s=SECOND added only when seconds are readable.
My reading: h=3 m=27
